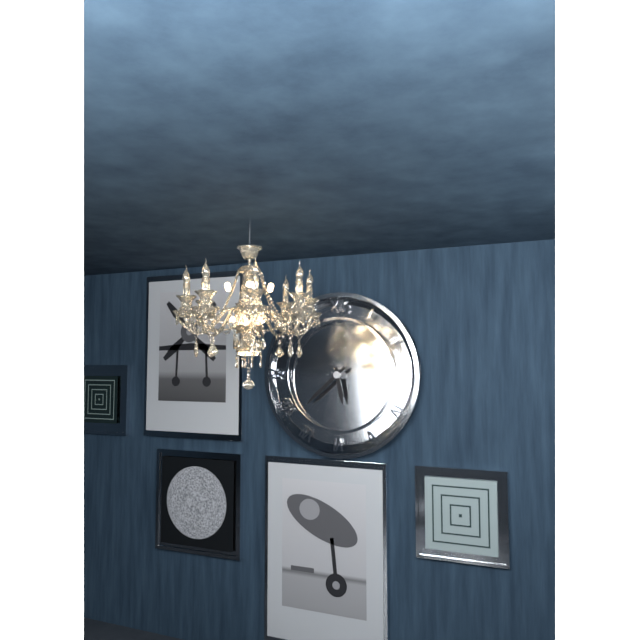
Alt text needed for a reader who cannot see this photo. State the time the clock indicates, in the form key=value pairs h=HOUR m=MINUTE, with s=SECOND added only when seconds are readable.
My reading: h=5 m=38
